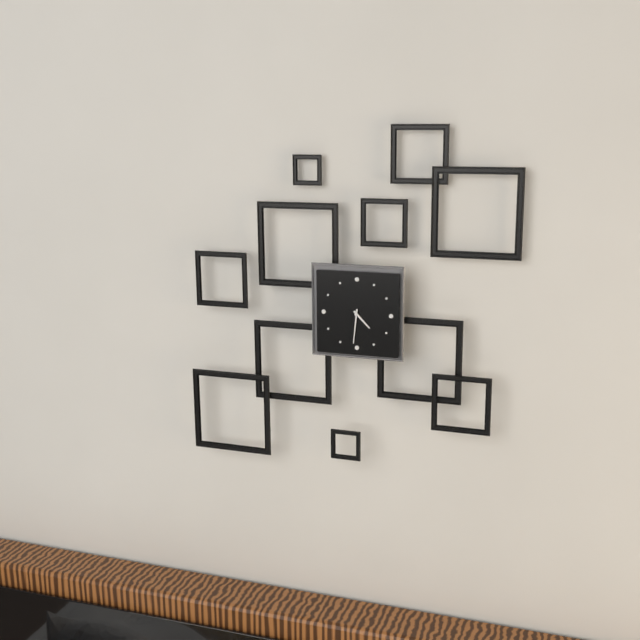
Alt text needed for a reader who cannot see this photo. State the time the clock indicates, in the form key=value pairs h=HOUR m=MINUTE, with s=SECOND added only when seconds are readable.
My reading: h=4 m=31
